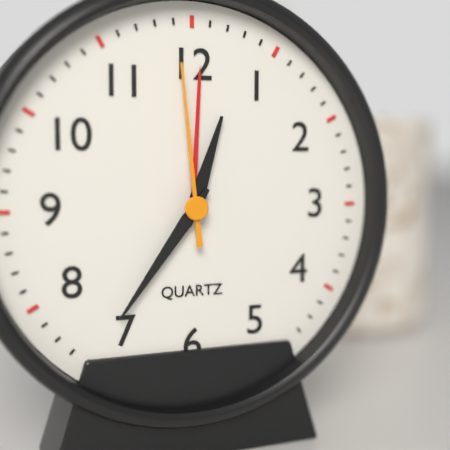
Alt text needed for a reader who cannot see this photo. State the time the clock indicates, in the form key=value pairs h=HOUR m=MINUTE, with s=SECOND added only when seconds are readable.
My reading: h=12 m=36 s=59
